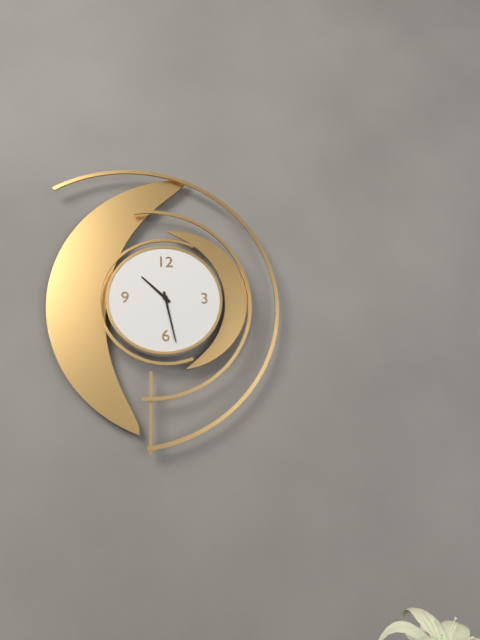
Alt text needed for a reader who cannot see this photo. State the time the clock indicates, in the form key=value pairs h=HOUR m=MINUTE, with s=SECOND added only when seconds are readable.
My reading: h=10 m=28
